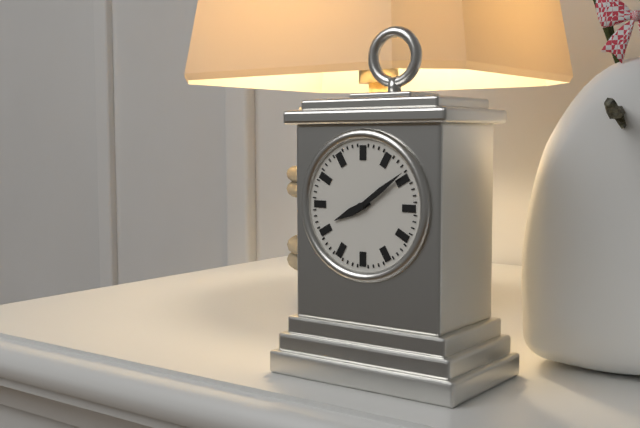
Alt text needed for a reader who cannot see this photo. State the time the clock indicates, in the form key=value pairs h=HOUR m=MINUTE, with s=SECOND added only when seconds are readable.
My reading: h=8 m=9
